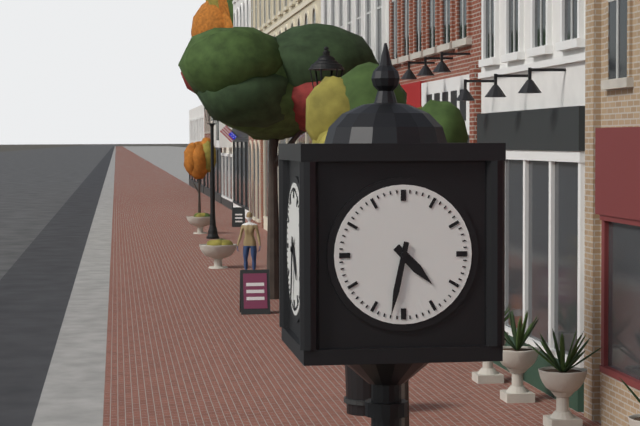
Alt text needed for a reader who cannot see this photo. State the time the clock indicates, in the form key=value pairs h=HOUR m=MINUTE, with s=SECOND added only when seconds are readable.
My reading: h=4 m=32
